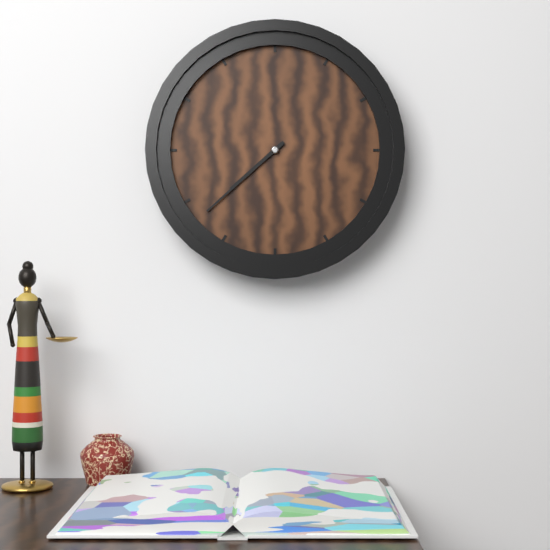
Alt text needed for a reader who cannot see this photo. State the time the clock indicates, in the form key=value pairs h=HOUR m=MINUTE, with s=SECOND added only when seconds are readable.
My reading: h=7 m=38
